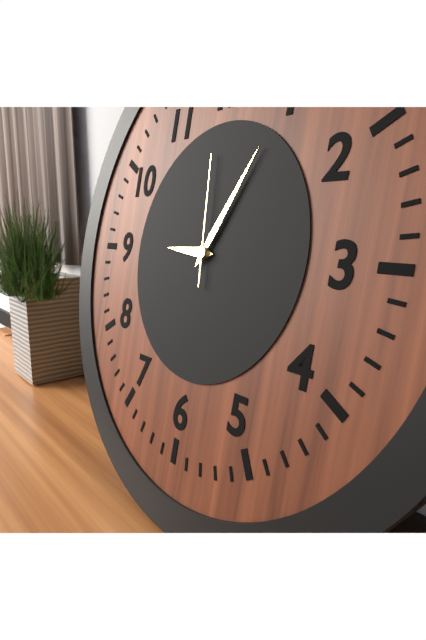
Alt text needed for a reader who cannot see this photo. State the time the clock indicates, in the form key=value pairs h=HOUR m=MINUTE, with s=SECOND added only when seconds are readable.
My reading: h=9 m=5 s=59
